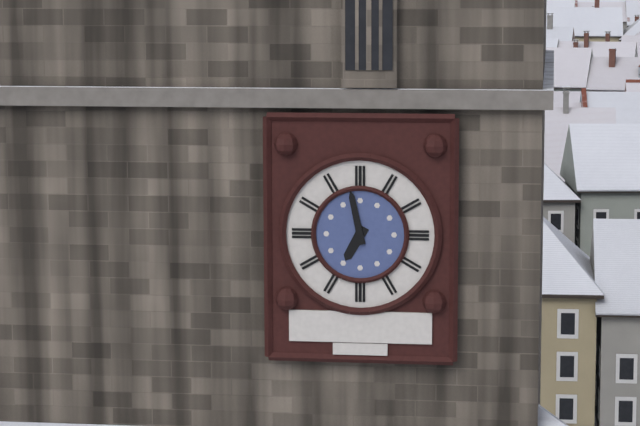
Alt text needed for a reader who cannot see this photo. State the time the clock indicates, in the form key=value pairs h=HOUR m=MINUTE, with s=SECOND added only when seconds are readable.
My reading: h=6 m=58
